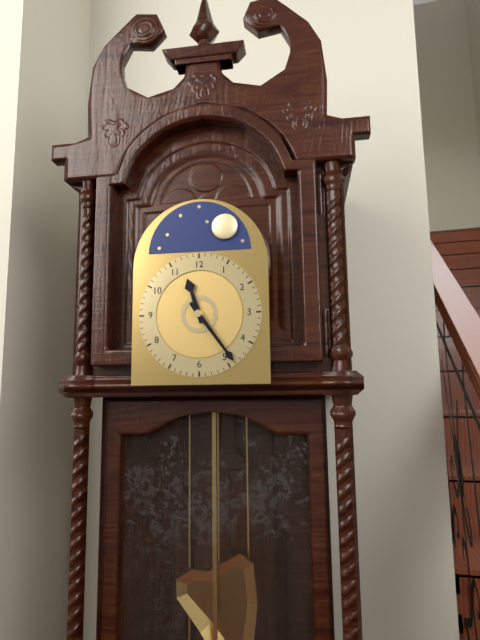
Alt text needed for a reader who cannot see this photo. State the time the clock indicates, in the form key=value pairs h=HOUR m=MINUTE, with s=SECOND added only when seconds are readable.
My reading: h=11 m=24
